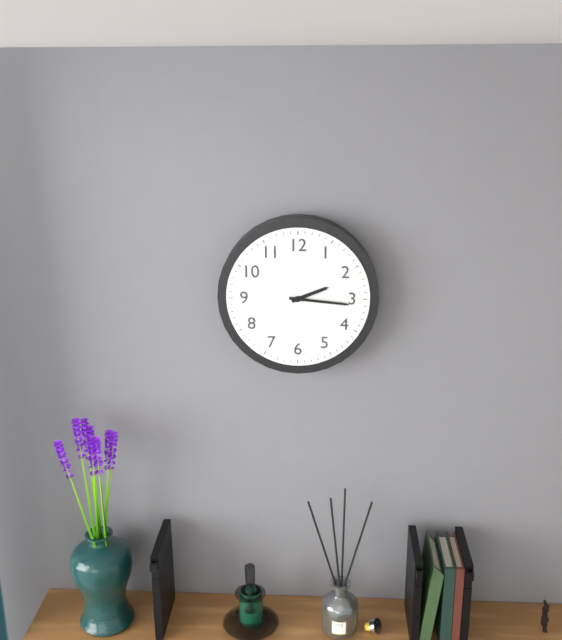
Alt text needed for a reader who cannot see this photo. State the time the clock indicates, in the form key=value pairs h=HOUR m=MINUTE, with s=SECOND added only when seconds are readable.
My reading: h=2 m=16
